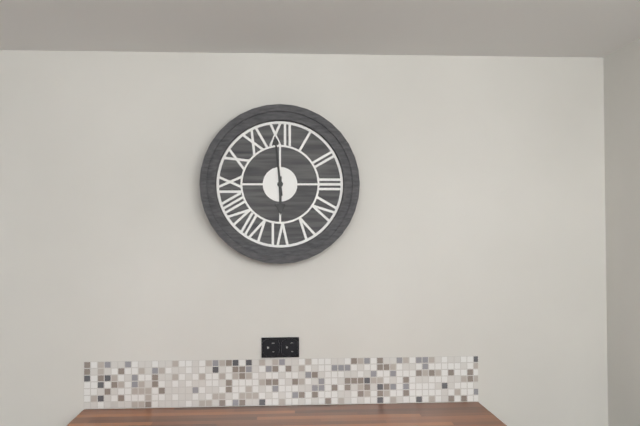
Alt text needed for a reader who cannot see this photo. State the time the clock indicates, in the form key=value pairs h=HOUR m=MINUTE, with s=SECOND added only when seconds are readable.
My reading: h=5 m=59
